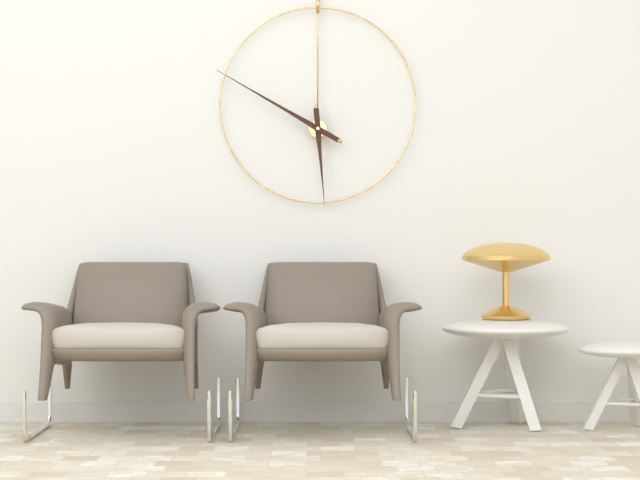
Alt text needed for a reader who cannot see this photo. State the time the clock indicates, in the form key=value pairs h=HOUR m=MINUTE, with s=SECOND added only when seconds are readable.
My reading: h=5 m=50
